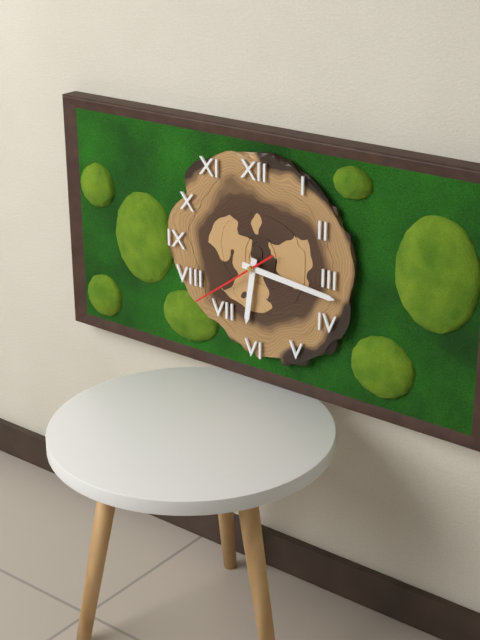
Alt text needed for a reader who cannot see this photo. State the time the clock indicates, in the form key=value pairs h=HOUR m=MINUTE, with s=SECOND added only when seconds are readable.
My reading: h=6 m=16 s=39
